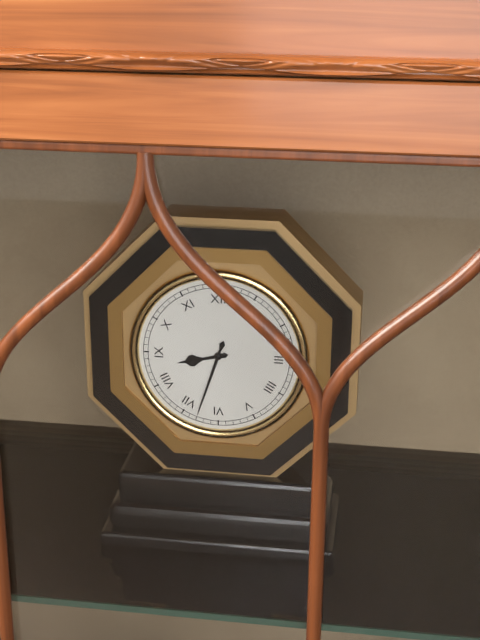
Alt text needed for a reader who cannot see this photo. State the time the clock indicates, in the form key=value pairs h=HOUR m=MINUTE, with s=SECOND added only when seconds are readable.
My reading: h=8 m=33
